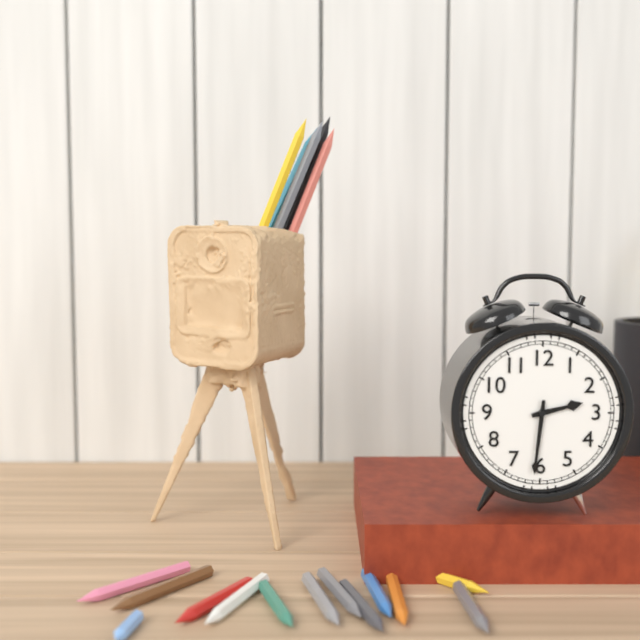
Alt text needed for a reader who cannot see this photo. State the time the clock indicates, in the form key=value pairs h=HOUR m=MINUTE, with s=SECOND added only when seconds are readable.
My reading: h=2 m=31
